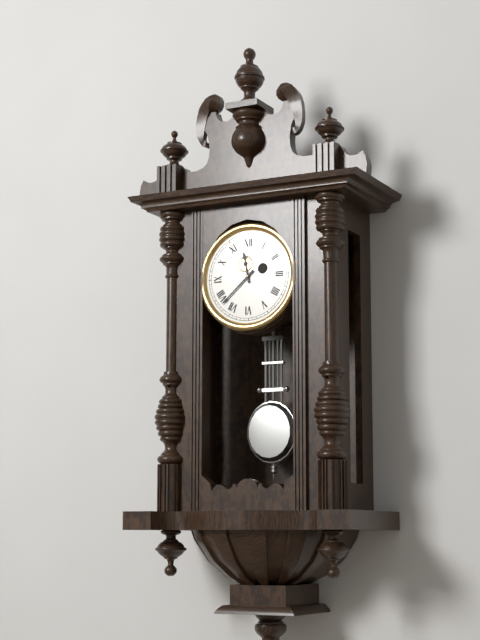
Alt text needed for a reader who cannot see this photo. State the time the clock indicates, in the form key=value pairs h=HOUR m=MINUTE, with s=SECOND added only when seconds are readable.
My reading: h=11 m=38
